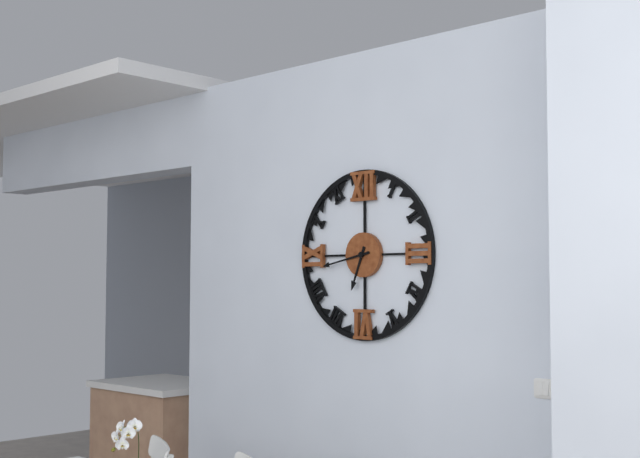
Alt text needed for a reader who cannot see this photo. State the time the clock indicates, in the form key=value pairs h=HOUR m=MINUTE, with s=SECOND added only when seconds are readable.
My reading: h=6 m=43
